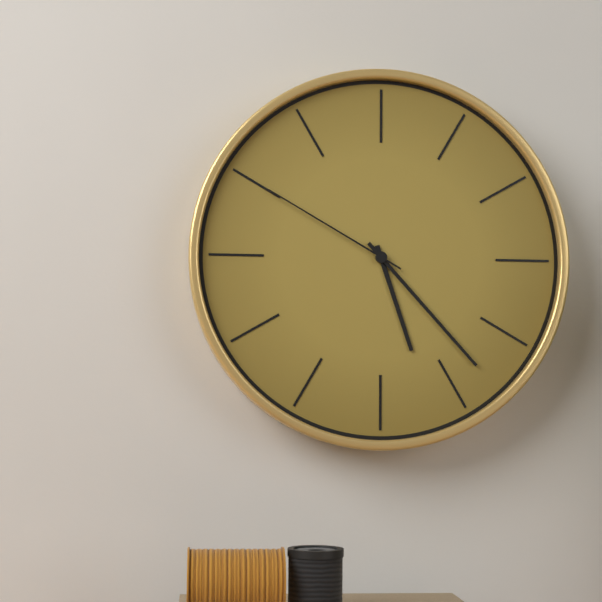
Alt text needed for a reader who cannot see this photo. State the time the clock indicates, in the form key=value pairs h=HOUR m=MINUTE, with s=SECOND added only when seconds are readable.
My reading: h=5 m=23 s=50
